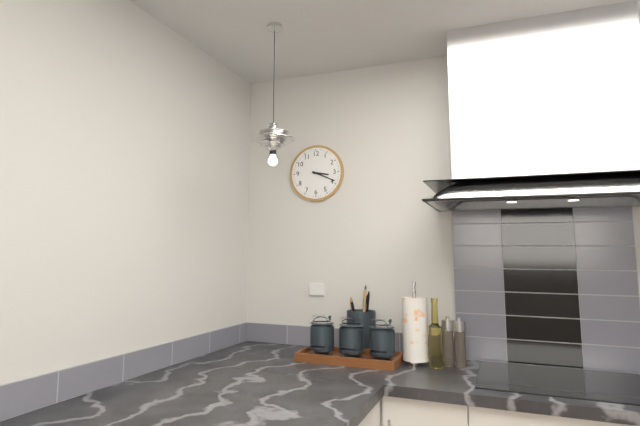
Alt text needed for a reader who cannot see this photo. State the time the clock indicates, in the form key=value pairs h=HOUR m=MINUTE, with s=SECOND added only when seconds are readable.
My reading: h=3 m=19
